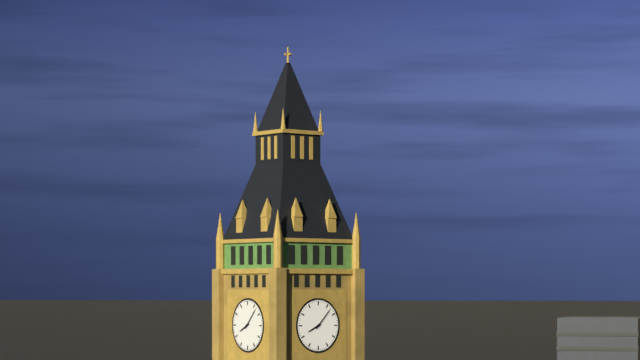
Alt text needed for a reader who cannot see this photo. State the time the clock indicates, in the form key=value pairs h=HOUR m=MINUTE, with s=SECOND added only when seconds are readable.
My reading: h=8 m=7
